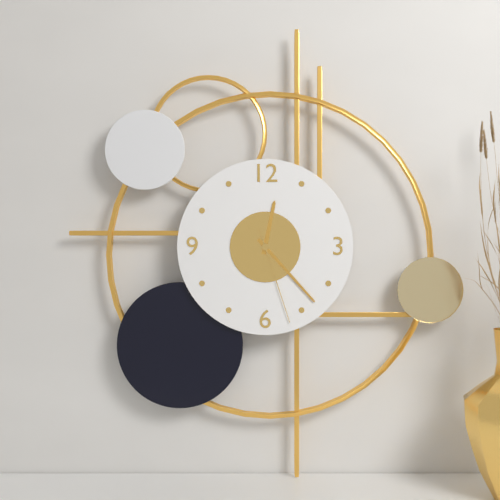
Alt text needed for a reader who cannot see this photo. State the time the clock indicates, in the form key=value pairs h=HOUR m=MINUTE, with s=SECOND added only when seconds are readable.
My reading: h=12 m=23 s=27
